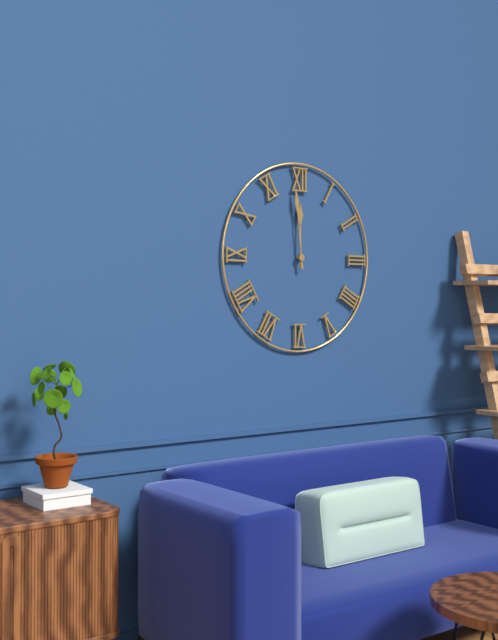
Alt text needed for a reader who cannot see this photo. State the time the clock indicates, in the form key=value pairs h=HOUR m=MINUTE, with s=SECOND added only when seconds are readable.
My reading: h=11 m=59
